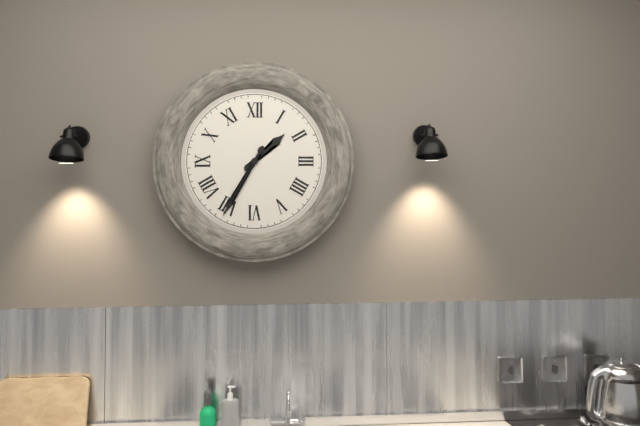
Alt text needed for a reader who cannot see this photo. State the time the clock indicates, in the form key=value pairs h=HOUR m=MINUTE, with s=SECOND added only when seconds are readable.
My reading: h=1 m=35
